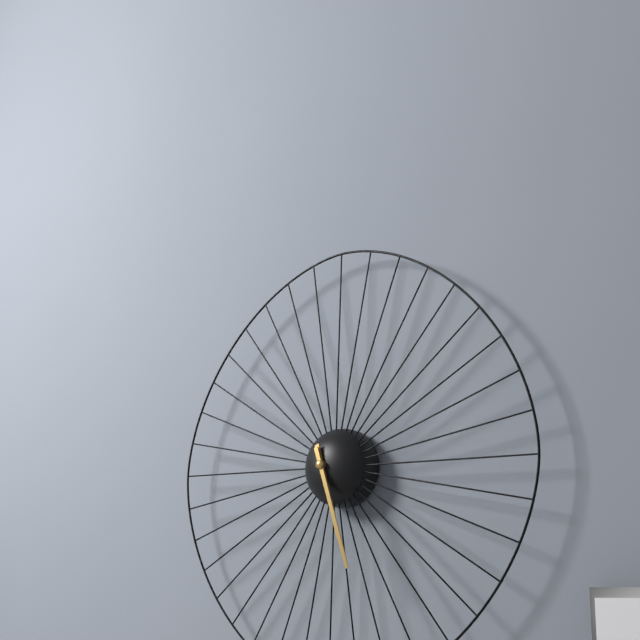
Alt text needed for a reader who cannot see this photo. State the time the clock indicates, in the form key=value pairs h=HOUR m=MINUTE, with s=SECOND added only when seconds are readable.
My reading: h=5 m=27
